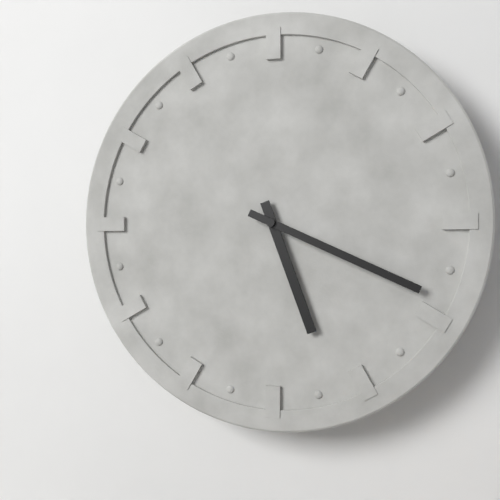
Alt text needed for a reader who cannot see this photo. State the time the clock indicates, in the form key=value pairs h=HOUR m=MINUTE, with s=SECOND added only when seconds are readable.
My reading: h=5 m=19
